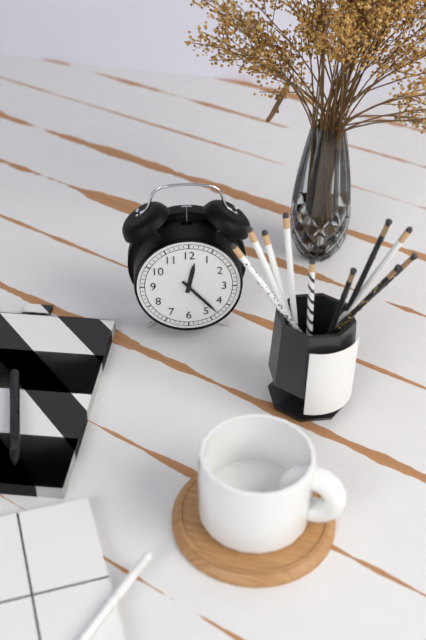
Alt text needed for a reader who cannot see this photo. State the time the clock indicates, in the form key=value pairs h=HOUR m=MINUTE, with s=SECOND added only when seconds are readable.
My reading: h=12 m=23
